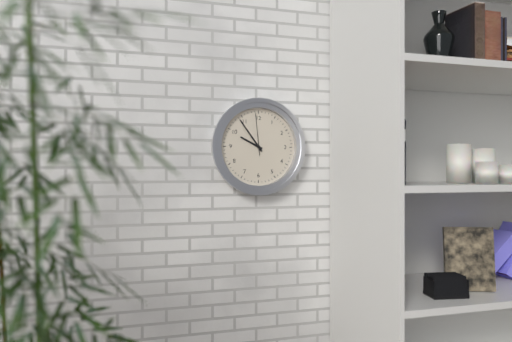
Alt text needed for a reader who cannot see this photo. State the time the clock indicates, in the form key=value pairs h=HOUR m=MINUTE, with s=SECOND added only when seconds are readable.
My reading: h=9 m=54
